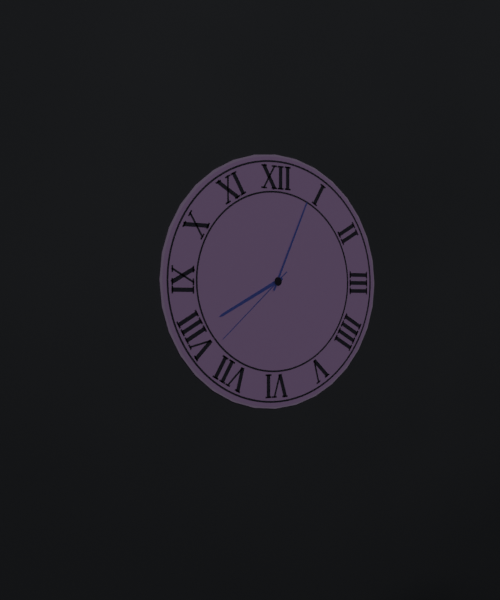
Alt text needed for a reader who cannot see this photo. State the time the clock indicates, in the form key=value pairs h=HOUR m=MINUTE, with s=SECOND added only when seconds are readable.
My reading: h=8 m=4 s=38
